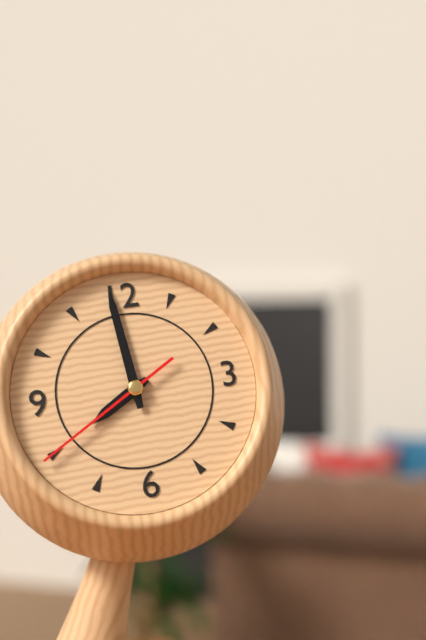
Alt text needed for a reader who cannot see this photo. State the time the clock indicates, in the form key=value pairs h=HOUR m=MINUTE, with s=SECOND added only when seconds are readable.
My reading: h=7 m=59 s=40
